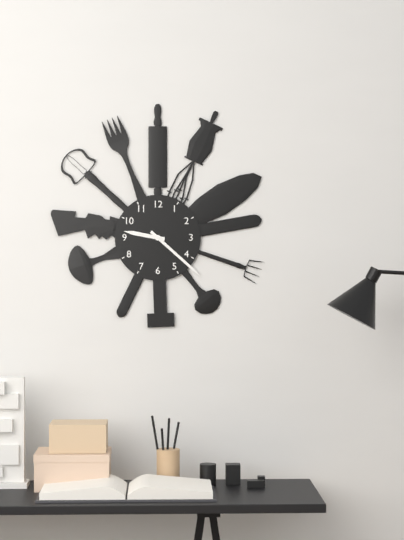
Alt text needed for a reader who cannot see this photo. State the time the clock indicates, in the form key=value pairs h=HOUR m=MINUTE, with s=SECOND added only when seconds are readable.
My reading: h=9 m=22
